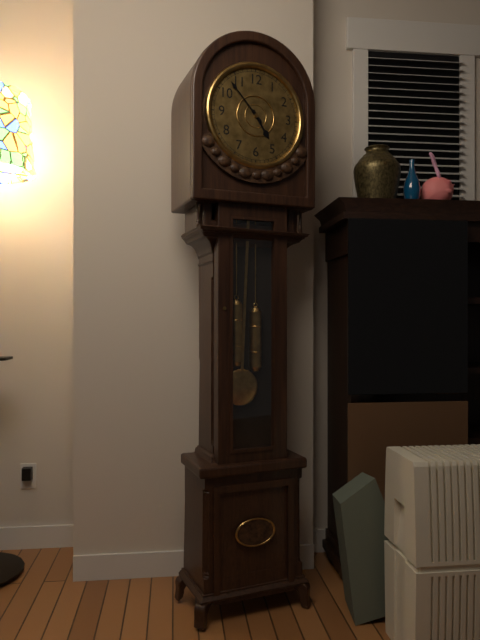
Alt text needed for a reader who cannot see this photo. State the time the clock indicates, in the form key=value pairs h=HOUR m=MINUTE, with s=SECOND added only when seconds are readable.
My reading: h=4 m=53
